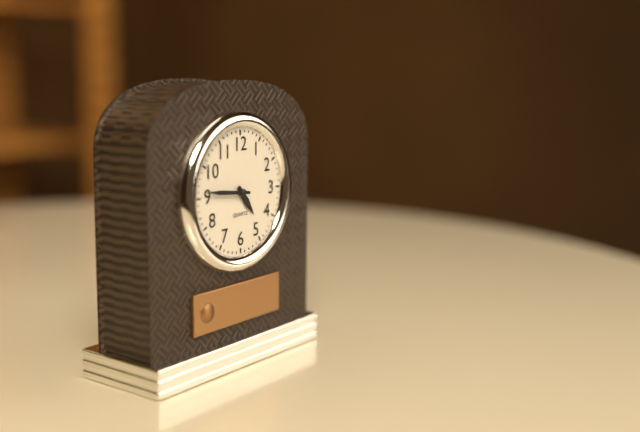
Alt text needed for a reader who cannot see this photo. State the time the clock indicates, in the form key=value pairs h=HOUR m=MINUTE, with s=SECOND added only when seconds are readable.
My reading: h=4 m=46
